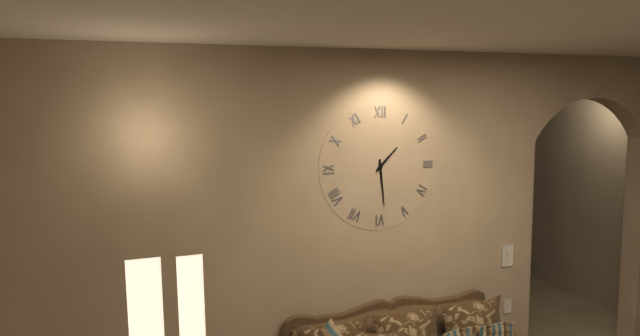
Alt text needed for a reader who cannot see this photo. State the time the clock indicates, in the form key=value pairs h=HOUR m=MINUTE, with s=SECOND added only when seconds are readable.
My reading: h=1 m=29
